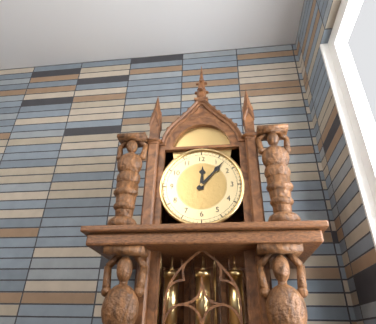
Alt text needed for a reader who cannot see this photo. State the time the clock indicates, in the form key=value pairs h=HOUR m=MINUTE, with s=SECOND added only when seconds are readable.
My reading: h=12 m=7
